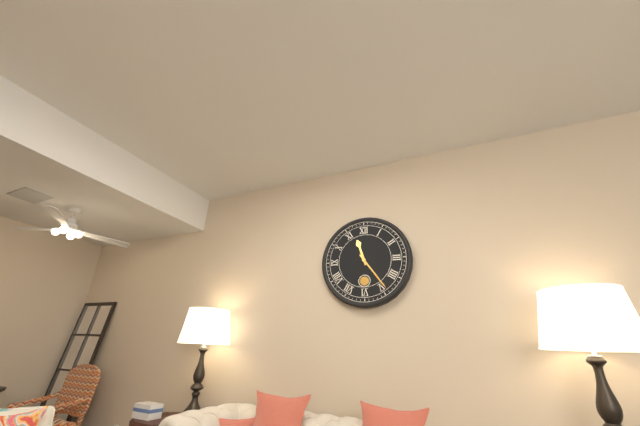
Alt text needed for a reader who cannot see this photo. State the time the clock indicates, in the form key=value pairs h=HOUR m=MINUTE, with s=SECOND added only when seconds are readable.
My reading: h=11 m=24
